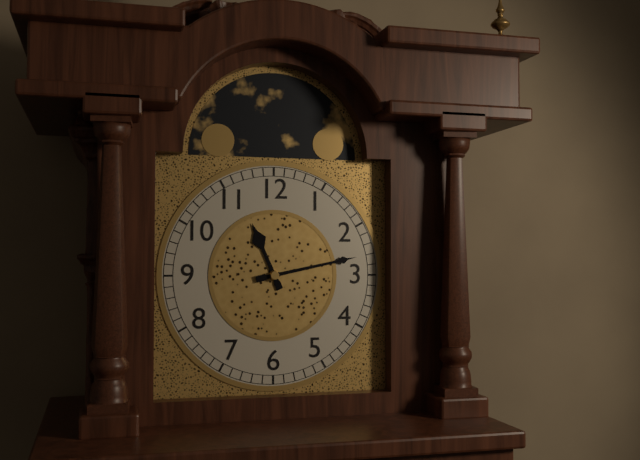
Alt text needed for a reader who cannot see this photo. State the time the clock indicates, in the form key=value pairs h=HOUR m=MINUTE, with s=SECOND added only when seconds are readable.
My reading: h=11 m=13
